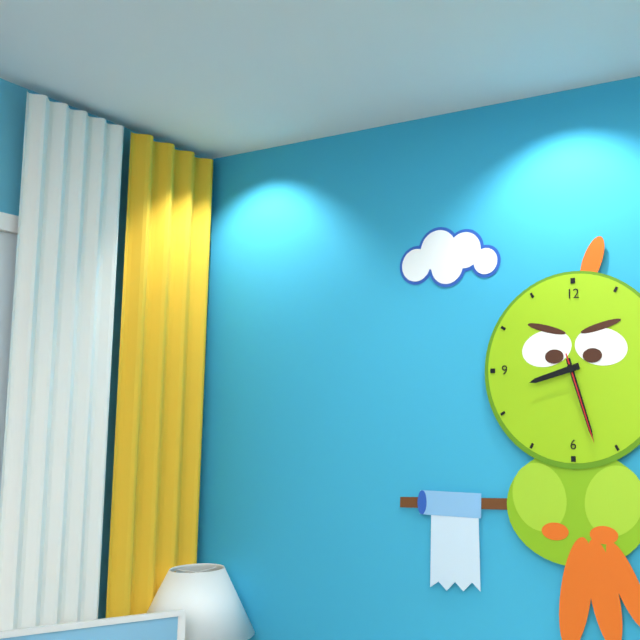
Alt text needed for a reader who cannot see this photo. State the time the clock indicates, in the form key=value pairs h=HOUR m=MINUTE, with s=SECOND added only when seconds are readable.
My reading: h=8 m=27 s=27
